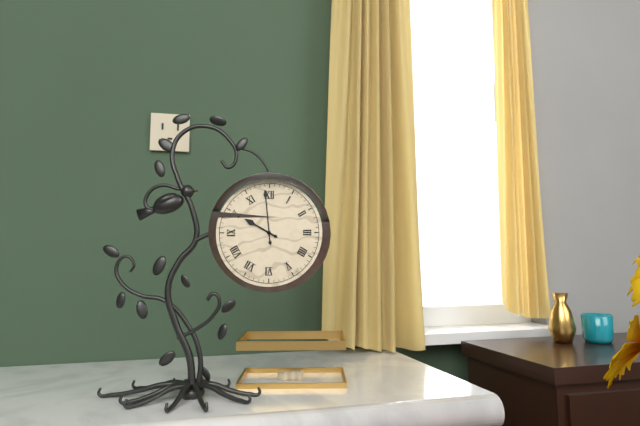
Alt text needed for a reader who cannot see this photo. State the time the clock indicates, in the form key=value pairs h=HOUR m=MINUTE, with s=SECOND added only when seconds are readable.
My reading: h=9 m=59
